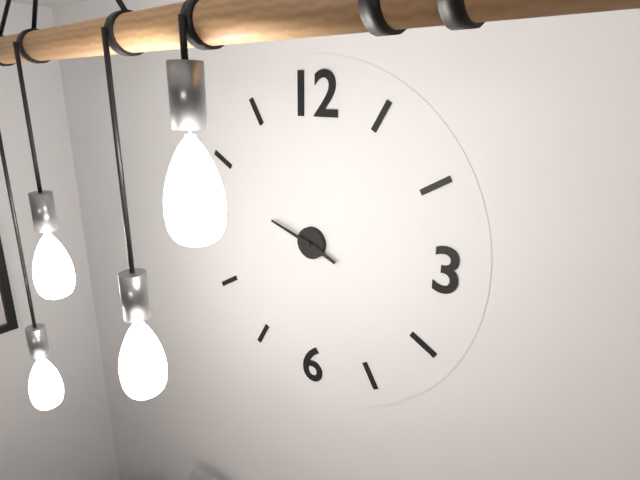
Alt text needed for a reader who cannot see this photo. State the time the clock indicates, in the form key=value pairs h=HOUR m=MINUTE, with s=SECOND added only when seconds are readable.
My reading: h=3 m=48
